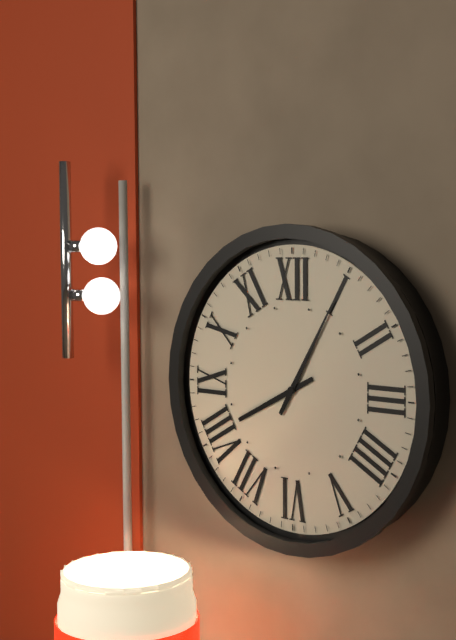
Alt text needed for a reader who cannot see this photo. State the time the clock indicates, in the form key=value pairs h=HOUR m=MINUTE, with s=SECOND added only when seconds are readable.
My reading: h=8 m=5
